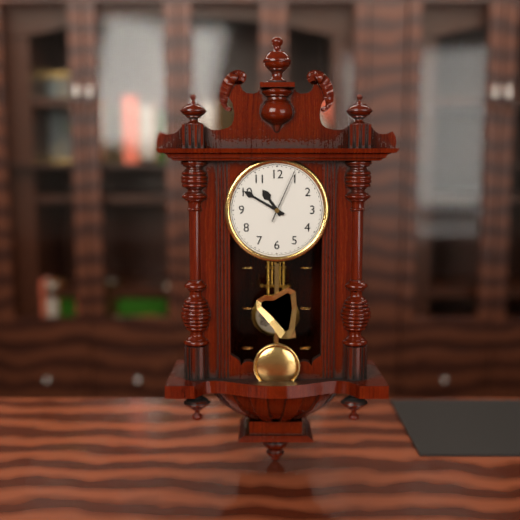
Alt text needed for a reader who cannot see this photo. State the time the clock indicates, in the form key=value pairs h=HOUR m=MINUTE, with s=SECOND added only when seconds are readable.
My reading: h=10 m=50 s=4
